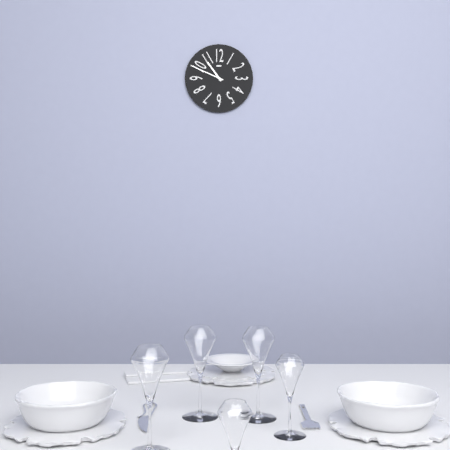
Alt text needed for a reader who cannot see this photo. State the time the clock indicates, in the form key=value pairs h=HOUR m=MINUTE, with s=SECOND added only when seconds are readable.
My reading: h=10 m=49
